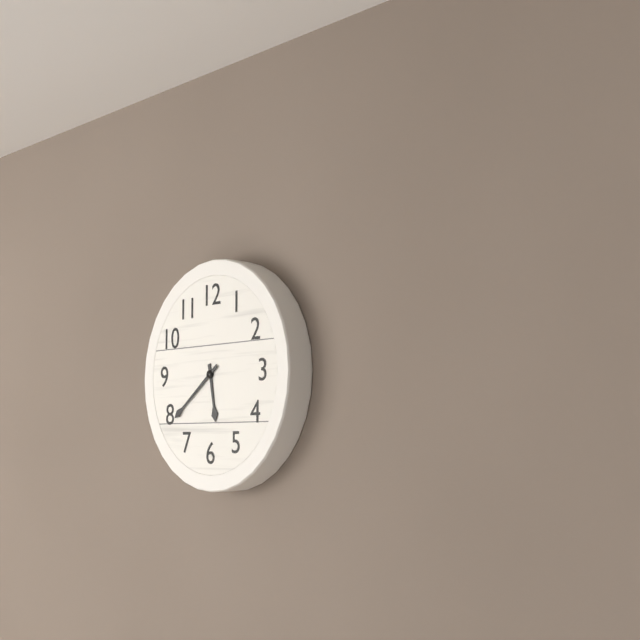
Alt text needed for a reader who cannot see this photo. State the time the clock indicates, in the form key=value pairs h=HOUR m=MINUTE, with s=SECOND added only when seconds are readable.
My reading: h=5 m=39
